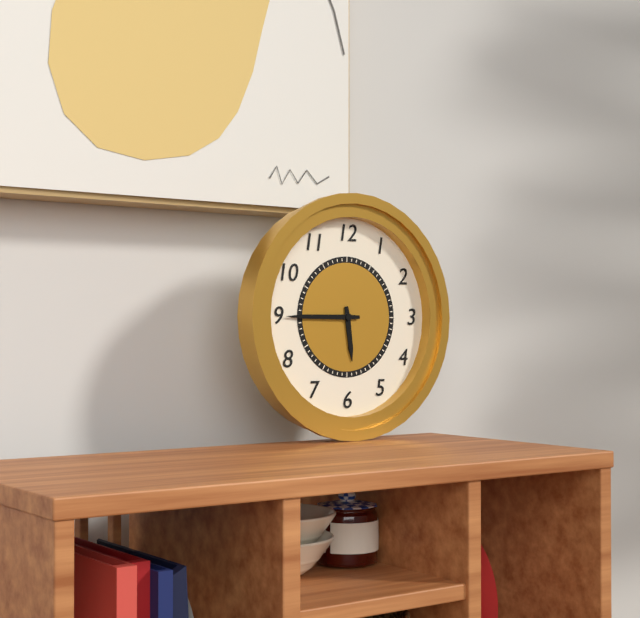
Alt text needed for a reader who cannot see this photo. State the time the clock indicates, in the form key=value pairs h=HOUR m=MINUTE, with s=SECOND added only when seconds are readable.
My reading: h=5 m=45
